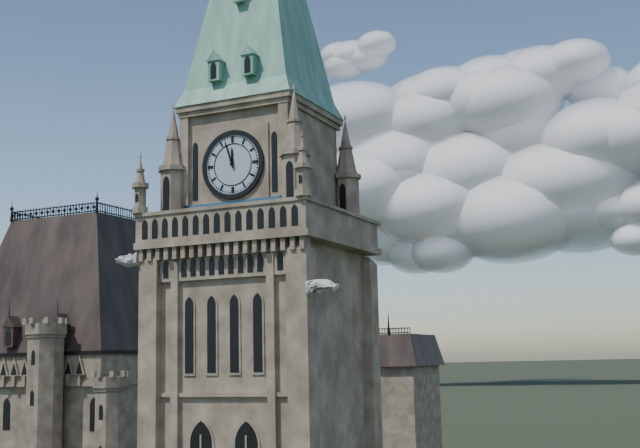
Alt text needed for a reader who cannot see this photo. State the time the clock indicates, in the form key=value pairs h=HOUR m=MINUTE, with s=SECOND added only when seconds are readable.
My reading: h=11 m=57
